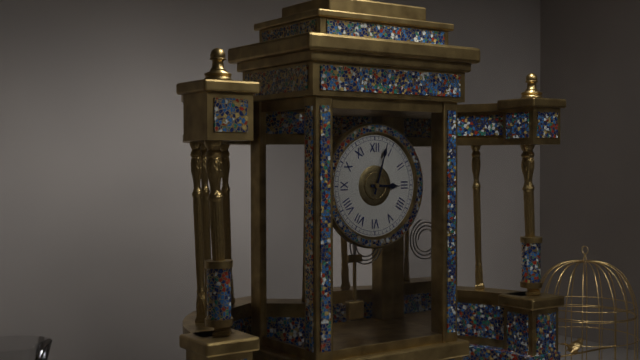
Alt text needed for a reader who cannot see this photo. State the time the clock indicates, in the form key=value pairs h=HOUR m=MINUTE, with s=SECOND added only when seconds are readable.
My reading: h=3 m=3
